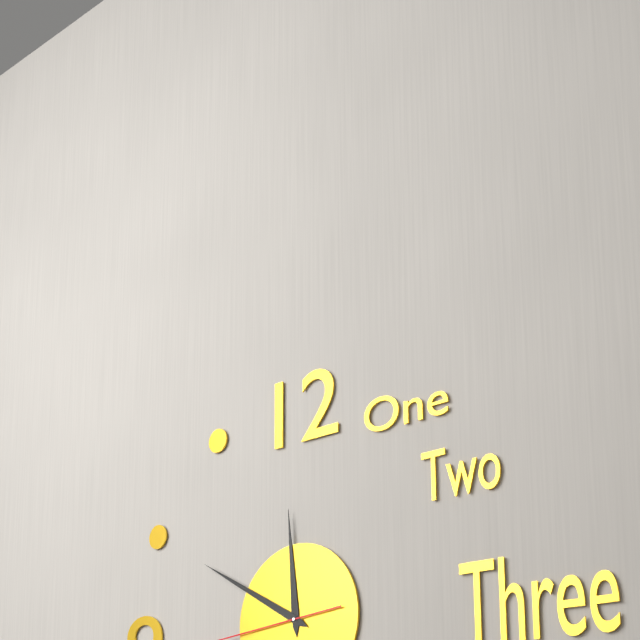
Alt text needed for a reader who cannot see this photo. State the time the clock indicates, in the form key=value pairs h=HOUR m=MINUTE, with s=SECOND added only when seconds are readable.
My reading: h=11 m=50
